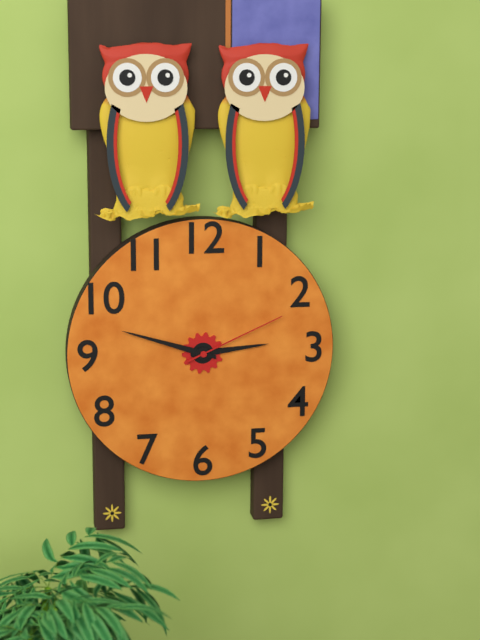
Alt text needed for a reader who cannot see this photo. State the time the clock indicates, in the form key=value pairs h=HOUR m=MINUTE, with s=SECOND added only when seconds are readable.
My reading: h=2 m=48 s=11
